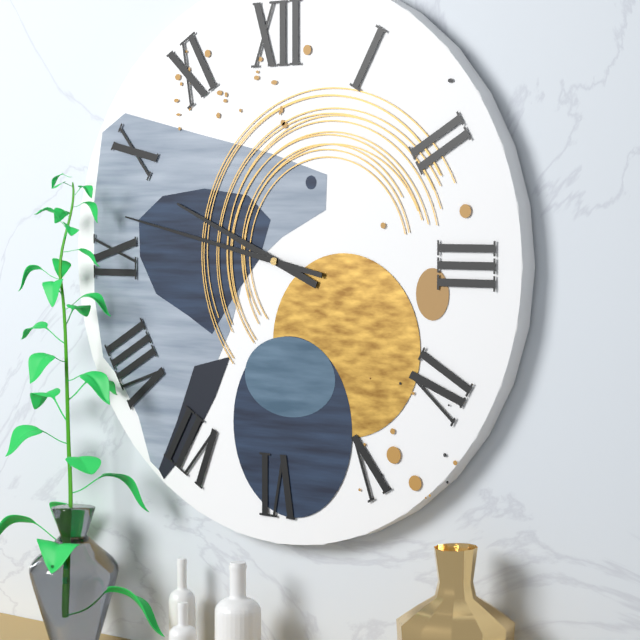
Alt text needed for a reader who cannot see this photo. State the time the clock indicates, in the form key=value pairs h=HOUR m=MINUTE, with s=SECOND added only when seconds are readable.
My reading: h=9 m=47
